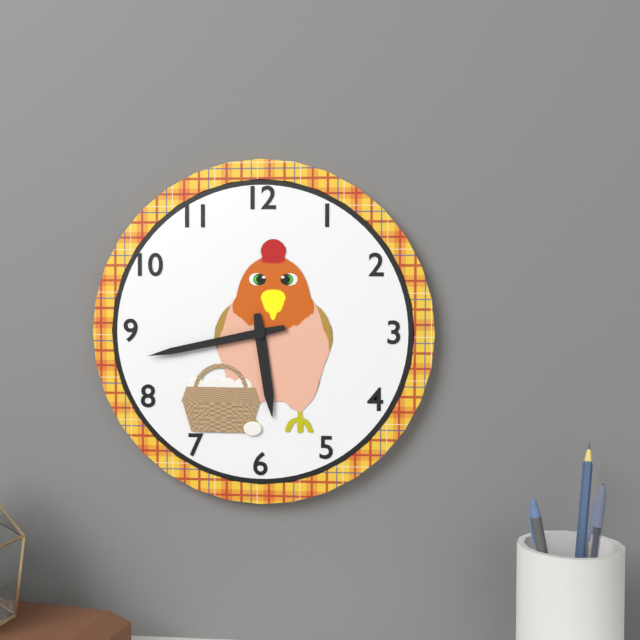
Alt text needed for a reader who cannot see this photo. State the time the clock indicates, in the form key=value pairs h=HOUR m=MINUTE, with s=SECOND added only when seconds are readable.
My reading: h=5 m=43
